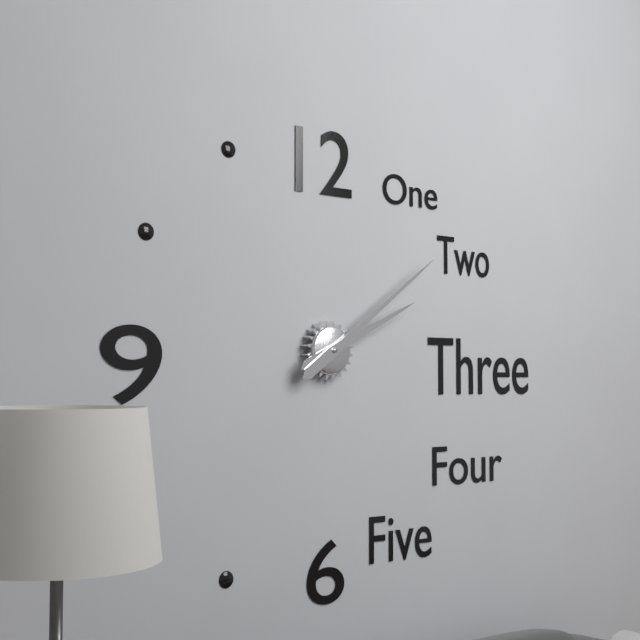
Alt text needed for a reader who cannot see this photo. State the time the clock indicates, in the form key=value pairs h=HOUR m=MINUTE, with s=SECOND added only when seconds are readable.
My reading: h=2 m=9
